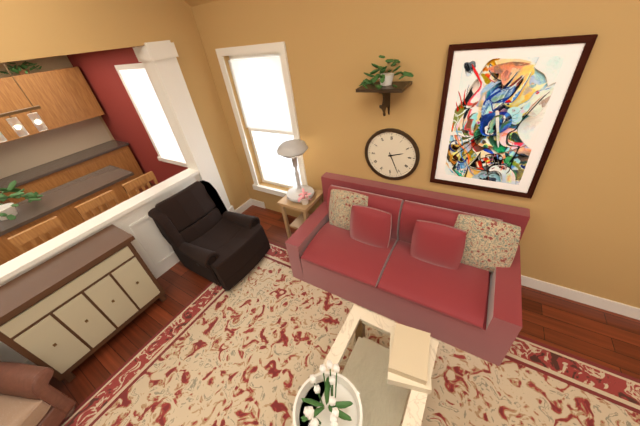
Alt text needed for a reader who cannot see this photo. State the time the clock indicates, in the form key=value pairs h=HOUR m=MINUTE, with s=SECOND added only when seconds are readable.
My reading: h=2 m=26
